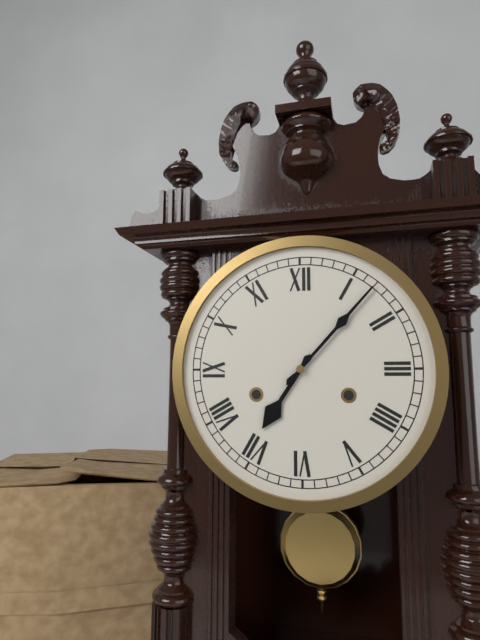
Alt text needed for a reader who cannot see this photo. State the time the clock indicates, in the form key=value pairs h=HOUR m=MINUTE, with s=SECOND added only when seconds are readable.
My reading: h=7 m=7
